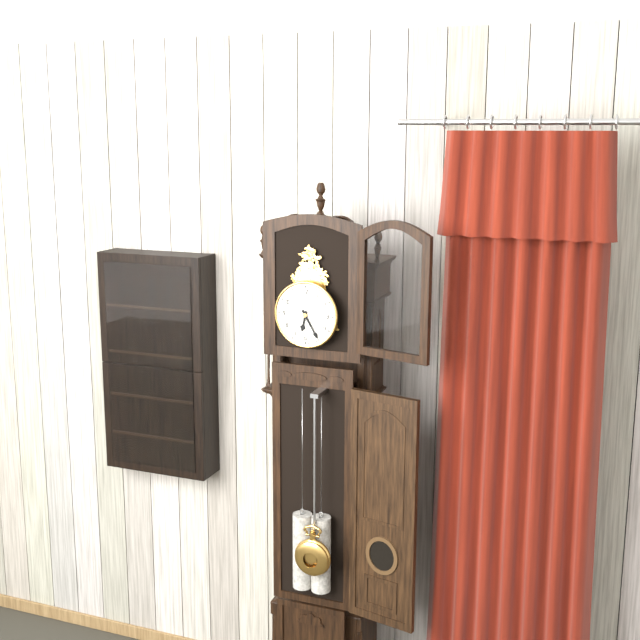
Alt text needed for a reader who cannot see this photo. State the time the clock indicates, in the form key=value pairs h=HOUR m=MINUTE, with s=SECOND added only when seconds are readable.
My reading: h=6 m=25
